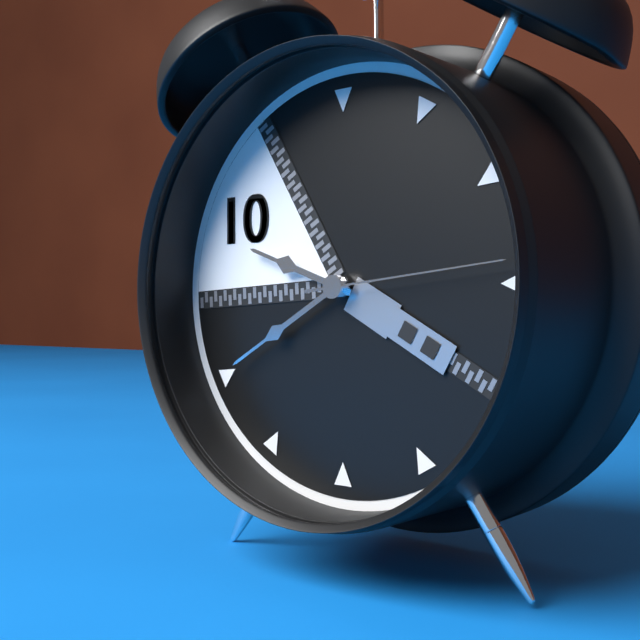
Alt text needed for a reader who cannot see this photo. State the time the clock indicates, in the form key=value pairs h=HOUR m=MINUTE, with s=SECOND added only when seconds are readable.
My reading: h=9 m=40 s=14
